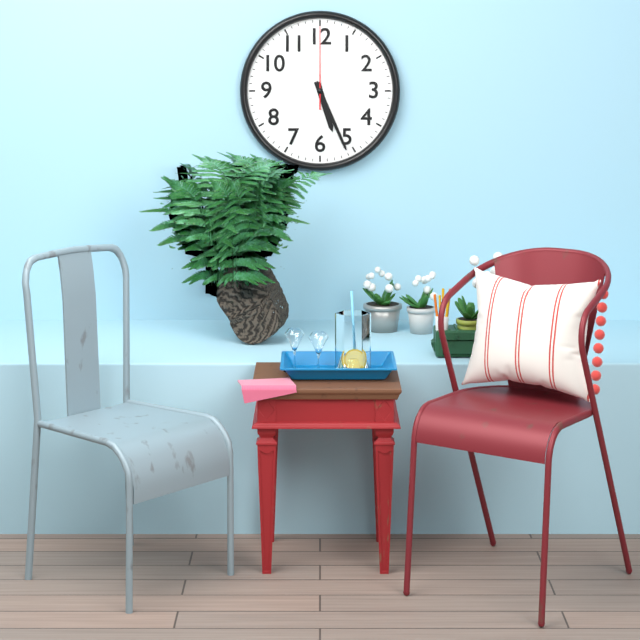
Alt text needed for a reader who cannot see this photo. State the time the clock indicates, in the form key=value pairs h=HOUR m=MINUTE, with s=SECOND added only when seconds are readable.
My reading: h=5 m=26 s=0
